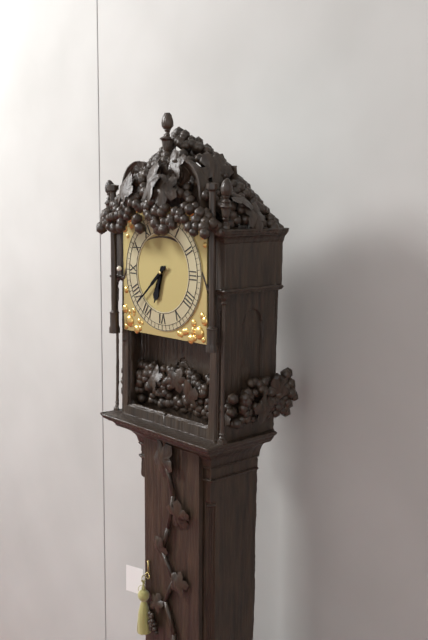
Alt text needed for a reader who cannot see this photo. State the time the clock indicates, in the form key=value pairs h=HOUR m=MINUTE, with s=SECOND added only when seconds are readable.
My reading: h=6 m=38
